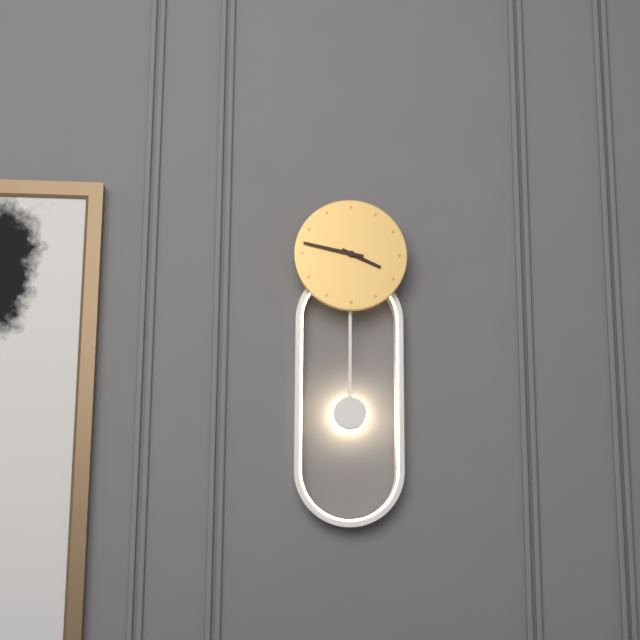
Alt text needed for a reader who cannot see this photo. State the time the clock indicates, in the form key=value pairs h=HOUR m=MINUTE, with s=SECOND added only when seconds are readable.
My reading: h=3 m=47
